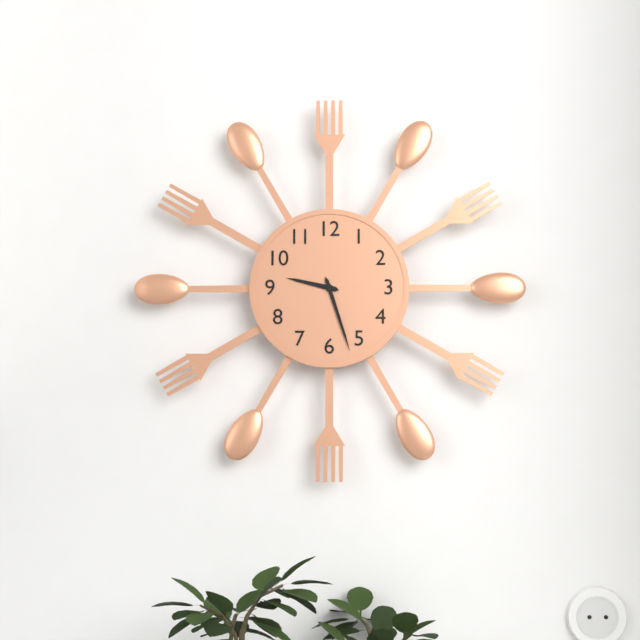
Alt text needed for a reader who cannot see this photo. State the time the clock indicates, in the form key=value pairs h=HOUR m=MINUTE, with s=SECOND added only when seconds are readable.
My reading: h=9 m=27
